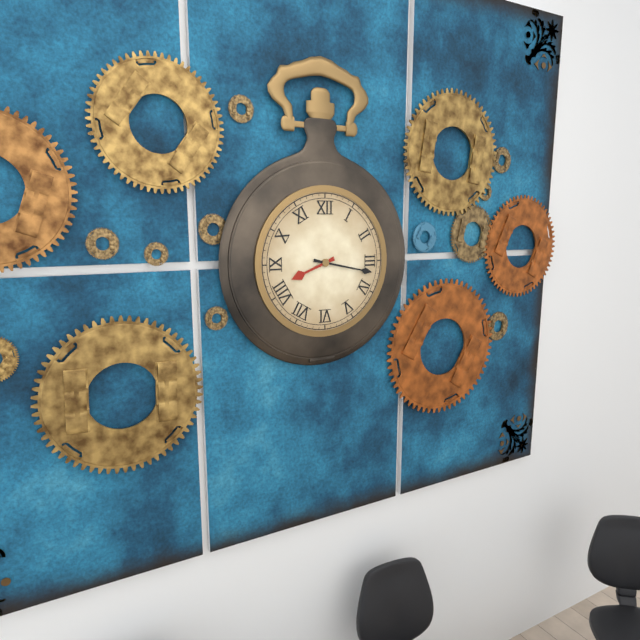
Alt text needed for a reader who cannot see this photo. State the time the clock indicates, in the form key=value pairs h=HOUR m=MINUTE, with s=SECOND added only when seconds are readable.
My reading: h=8 m=17
